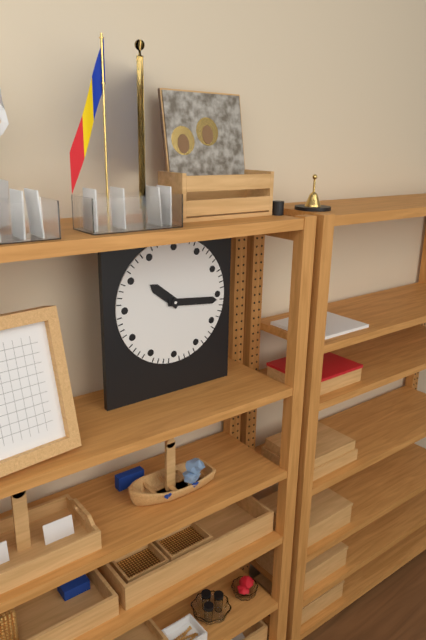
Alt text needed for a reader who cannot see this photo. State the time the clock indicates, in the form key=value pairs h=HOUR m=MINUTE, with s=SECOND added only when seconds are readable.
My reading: h=10 m=16
